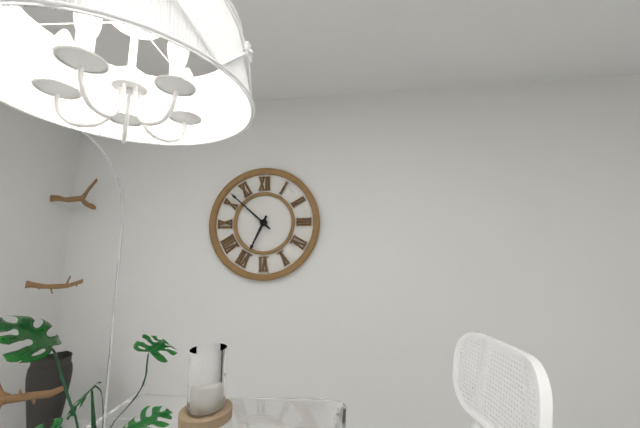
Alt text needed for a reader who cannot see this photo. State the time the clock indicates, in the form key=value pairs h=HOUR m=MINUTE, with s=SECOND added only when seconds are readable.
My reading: h=6 m=52
